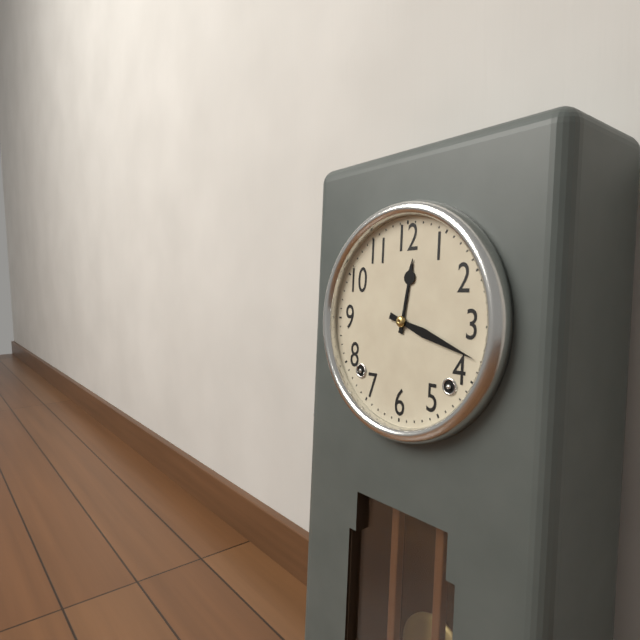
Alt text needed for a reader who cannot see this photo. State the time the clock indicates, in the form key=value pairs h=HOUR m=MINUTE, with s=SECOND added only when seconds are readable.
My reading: h=12 m=18
